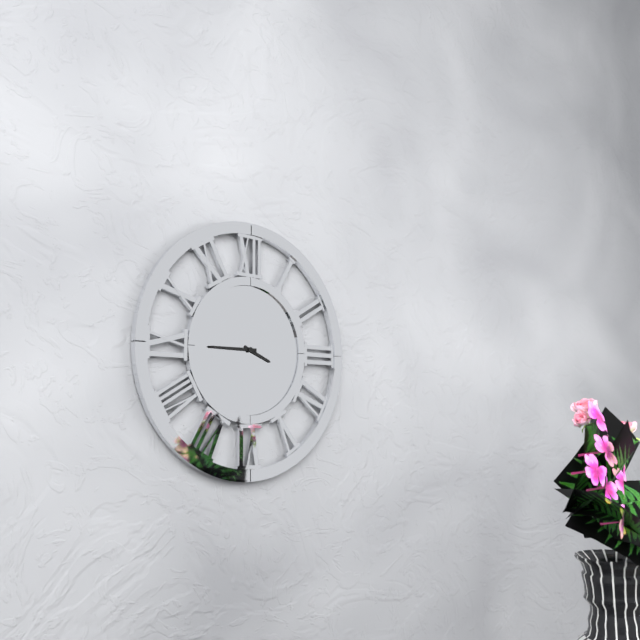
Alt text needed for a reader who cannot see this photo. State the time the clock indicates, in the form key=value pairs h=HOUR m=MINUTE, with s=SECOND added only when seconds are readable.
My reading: h=3 m=45
